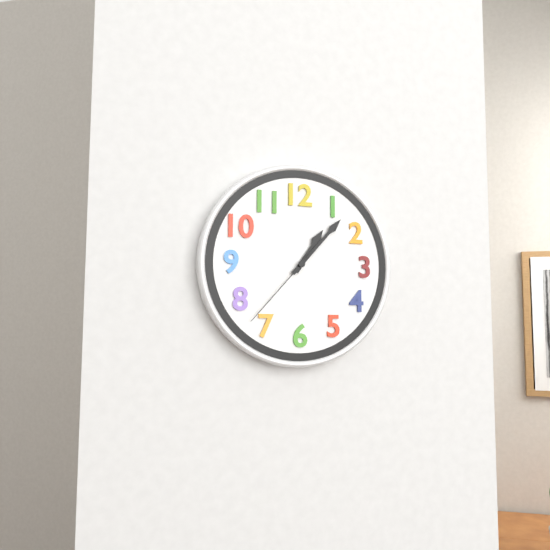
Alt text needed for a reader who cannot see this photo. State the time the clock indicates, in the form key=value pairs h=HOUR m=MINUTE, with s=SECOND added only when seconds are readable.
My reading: h=1 m=7 s=37
